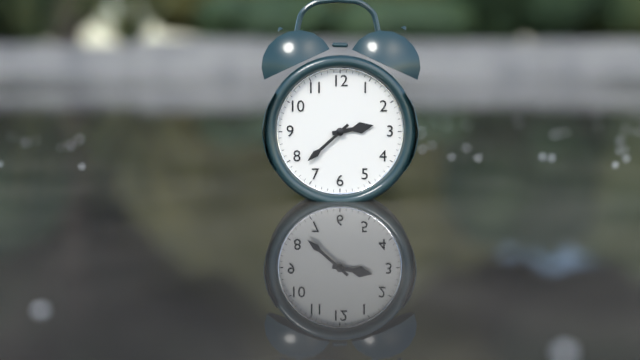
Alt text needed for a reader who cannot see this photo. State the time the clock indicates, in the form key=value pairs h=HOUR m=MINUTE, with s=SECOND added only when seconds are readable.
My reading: h=2 m=38
